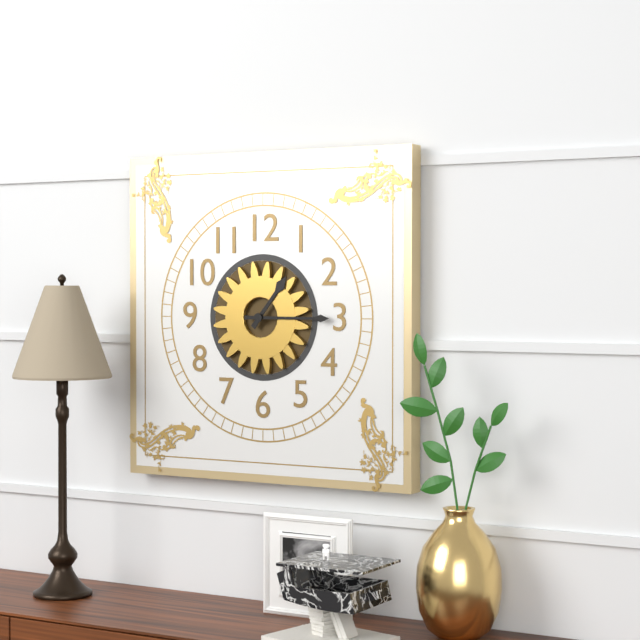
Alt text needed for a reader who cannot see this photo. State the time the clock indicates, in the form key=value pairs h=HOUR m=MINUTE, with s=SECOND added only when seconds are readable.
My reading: h=1 m=15
